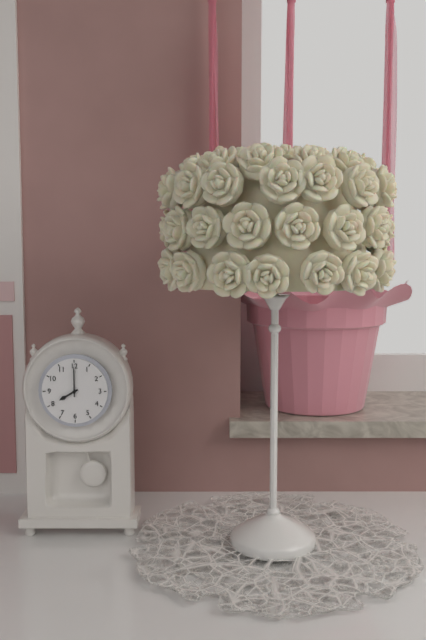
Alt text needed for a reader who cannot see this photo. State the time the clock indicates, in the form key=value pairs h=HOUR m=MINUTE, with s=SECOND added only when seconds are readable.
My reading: h=8 m=0
